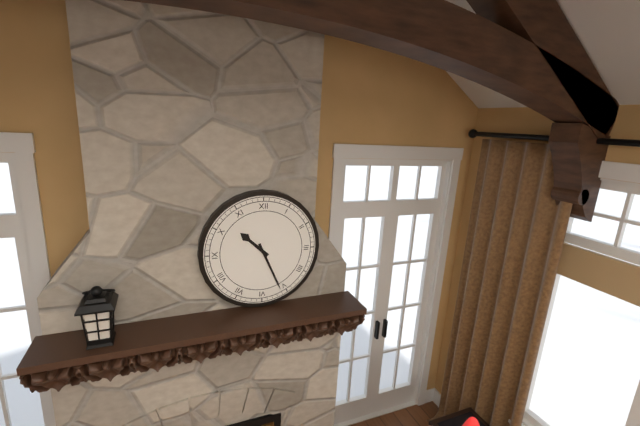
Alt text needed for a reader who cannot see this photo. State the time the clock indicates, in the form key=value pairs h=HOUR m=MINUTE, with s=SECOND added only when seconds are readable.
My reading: h=10 m=26
